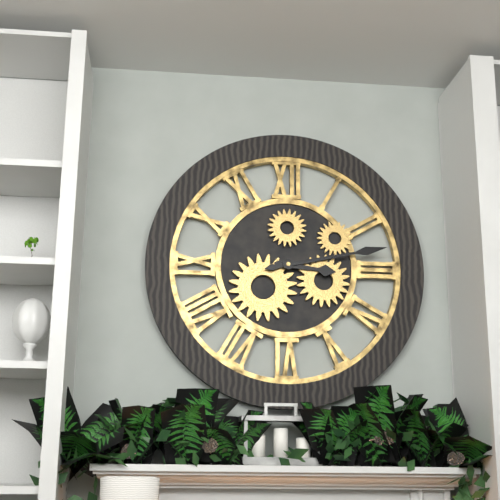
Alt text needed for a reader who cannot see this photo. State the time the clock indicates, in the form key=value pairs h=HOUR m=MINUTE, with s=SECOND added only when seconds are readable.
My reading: h=3 m=13
